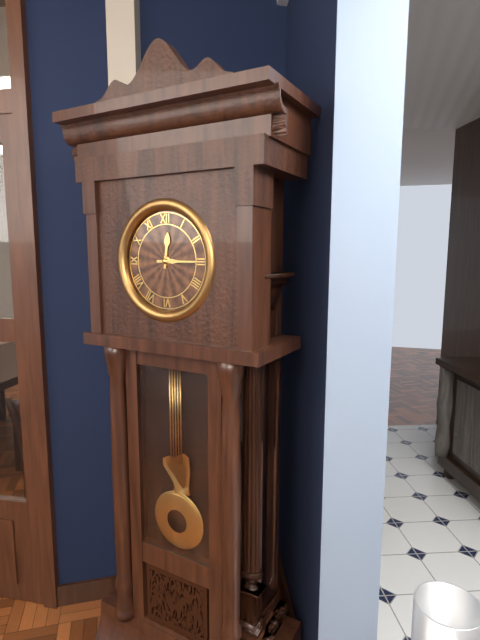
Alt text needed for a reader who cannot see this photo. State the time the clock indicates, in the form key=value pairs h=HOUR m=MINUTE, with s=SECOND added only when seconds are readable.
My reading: h=12 m=15
